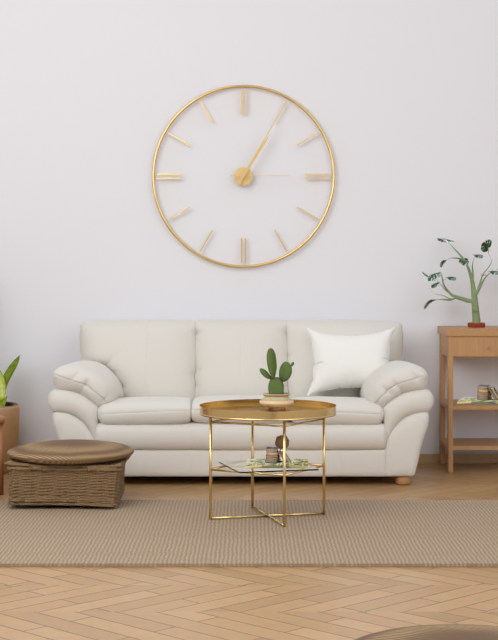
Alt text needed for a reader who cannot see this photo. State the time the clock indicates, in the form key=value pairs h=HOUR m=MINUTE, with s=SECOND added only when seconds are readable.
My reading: h=1 m=5 s=15
